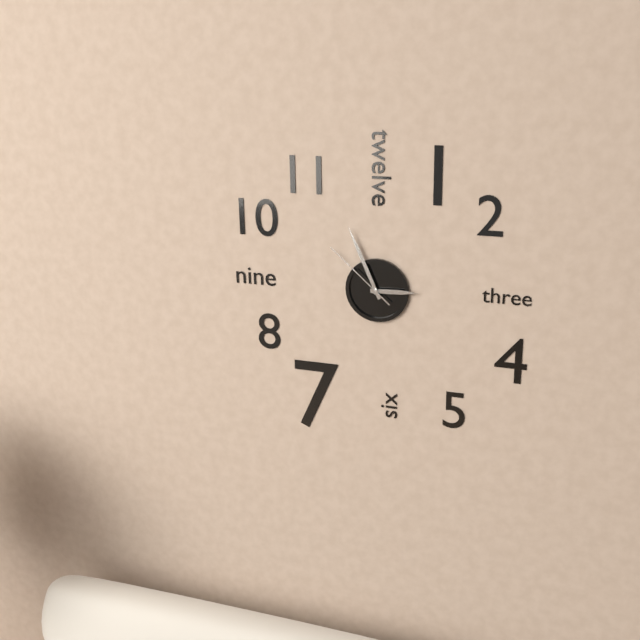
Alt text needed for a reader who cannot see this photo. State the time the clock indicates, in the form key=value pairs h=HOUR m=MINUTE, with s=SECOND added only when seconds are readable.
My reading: h=2 m=56 s=52
